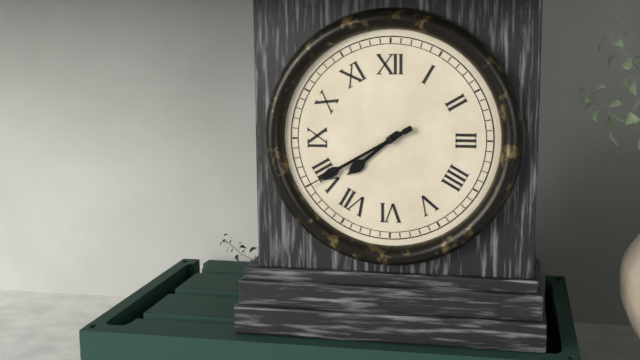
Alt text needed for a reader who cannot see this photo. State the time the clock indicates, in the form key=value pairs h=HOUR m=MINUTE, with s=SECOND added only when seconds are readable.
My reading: h=7 m=40 s=40
